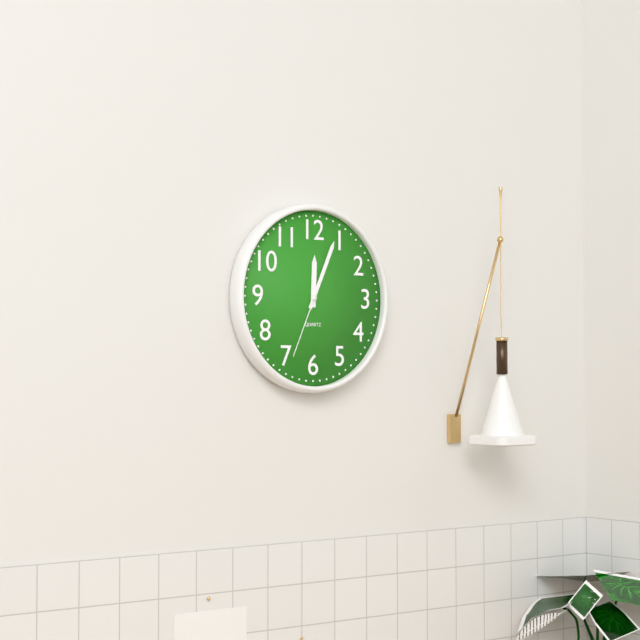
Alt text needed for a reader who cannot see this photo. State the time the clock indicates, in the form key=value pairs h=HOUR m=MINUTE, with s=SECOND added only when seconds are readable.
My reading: h=12 m=4 s=34
